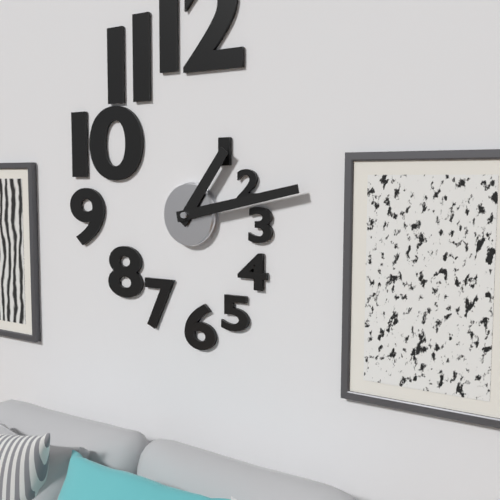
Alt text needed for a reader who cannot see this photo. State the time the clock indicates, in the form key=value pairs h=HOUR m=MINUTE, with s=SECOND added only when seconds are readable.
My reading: h=1 m=13
